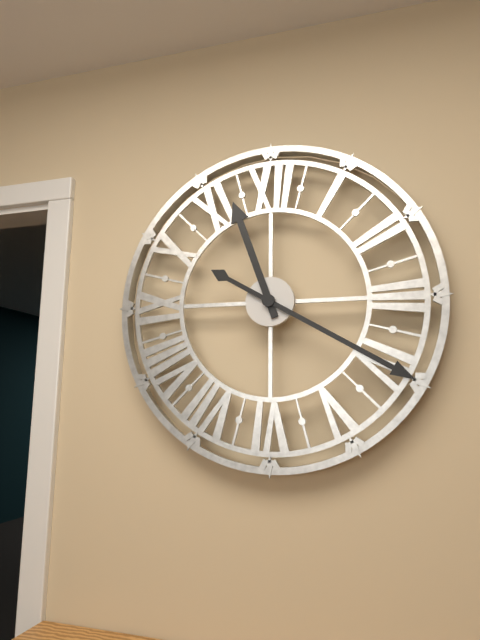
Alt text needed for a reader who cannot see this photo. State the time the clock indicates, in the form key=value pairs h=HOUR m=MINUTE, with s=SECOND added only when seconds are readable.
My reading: h=11 m=20
